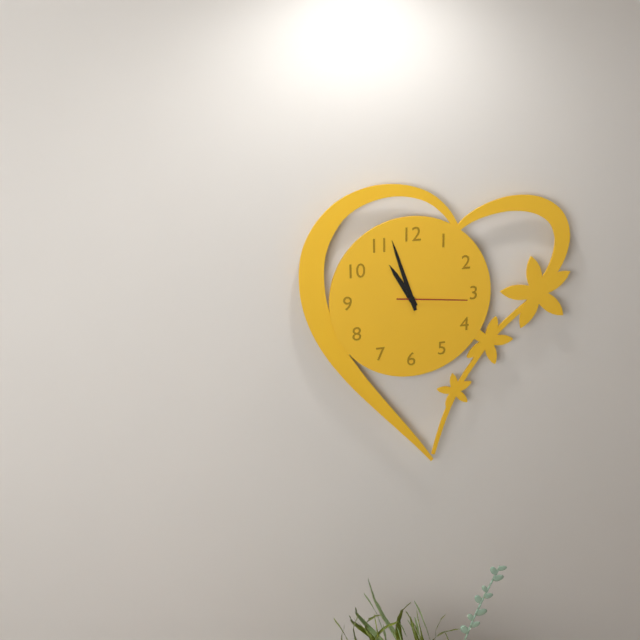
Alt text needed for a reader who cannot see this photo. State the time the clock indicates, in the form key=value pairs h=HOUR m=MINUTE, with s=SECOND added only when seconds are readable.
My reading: h=10 m=57 s=16
